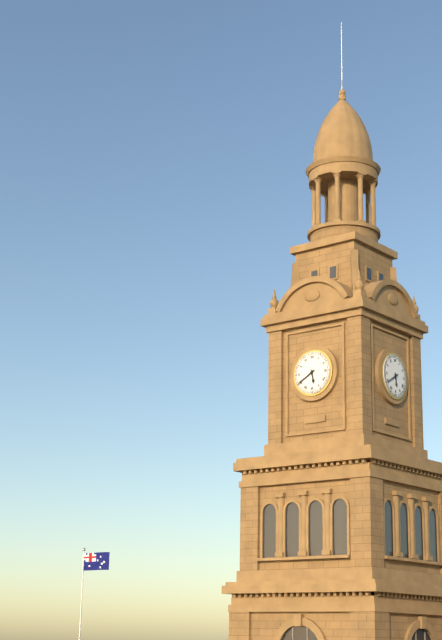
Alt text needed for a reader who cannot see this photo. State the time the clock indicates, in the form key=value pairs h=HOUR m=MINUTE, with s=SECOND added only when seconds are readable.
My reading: h=5 m=40
